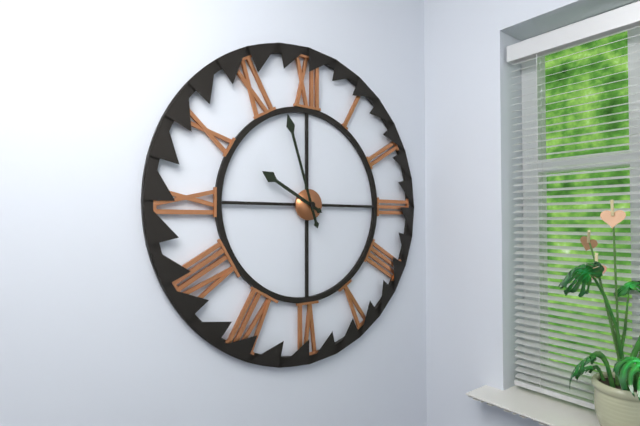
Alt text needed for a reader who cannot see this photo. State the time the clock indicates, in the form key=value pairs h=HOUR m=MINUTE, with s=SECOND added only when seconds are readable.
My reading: h=9 m=57
